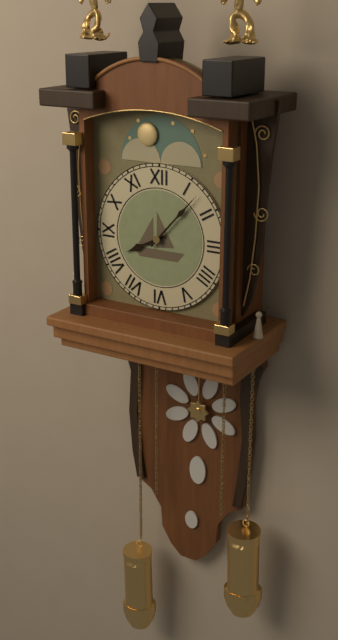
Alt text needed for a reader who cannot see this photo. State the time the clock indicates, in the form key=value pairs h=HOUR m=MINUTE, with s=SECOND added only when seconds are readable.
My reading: h=8 m=7
